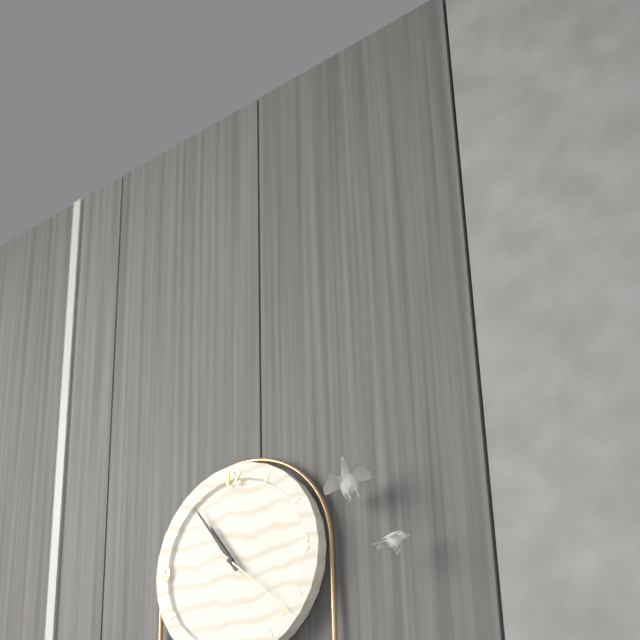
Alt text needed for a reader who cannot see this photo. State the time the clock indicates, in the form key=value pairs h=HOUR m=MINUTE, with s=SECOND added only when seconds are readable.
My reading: h=10 m=54 s=22
